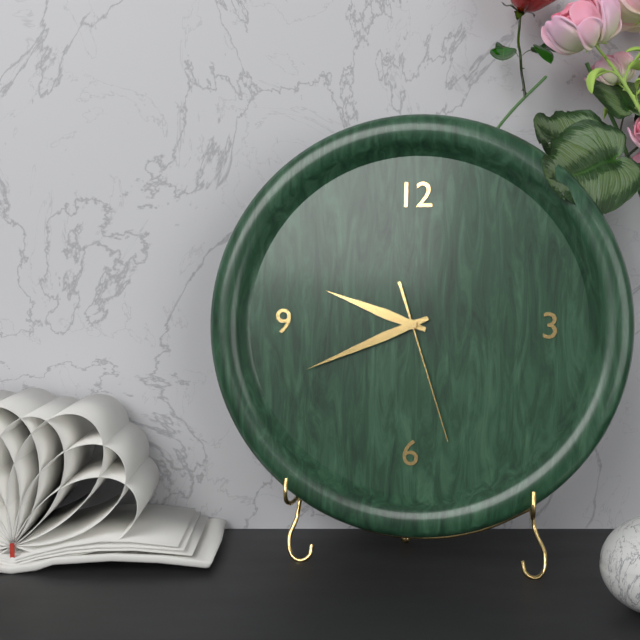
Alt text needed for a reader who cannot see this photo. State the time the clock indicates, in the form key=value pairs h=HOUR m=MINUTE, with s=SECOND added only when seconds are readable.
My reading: h=9 m=41 s=27
